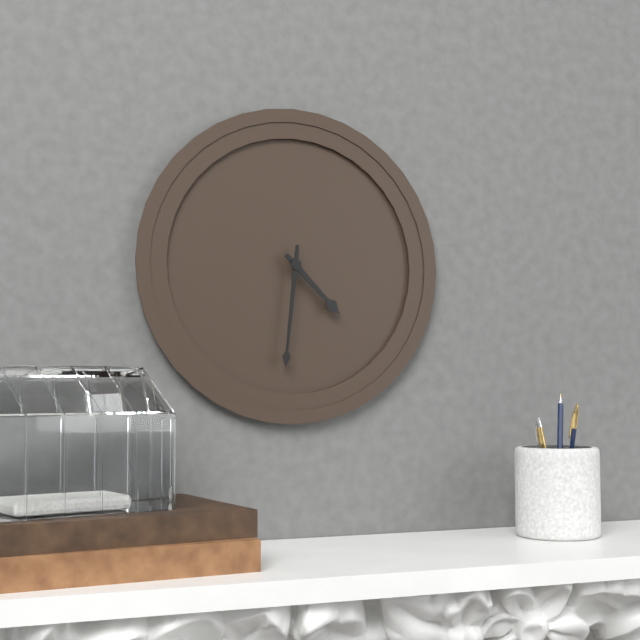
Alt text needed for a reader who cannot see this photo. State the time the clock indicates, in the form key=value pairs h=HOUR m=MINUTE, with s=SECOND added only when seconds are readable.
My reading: h=4 m=31
